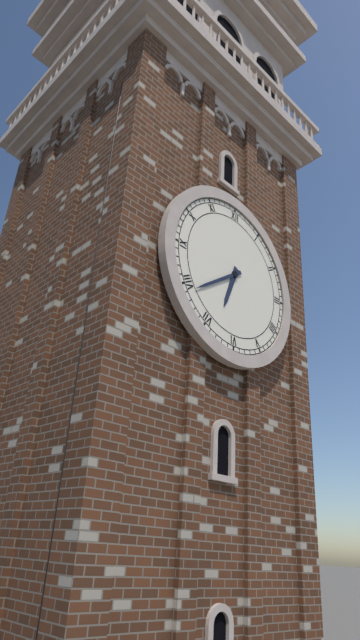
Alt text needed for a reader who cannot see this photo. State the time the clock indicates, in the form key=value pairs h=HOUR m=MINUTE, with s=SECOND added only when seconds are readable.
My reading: h=6 m=39
